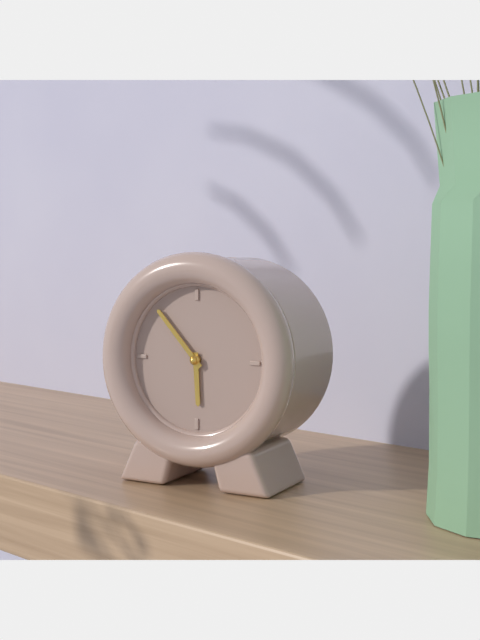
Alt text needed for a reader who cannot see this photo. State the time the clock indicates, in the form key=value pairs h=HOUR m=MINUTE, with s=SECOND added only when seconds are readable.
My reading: h=5 m=53
